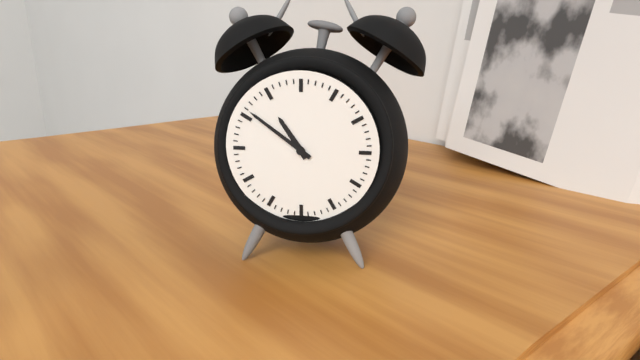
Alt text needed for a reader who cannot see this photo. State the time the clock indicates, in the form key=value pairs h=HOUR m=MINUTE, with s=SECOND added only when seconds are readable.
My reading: h=10 m=51
